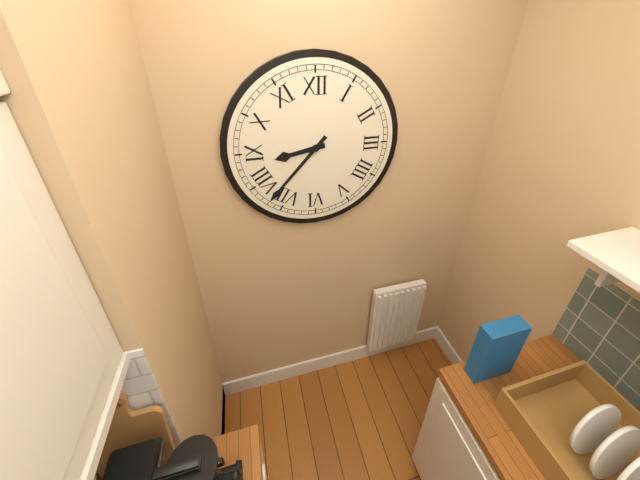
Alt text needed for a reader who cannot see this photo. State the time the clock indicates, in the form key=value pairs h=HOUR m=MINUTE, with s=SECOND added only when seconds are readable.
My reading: h=8 m=37
